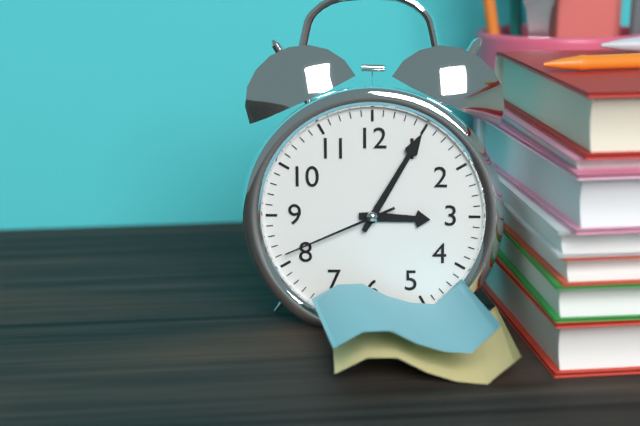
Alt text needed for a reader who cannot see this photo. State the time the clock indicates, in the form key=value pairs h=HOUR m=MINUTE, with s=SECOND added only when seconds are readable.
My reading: h=3 m=5 s=41
